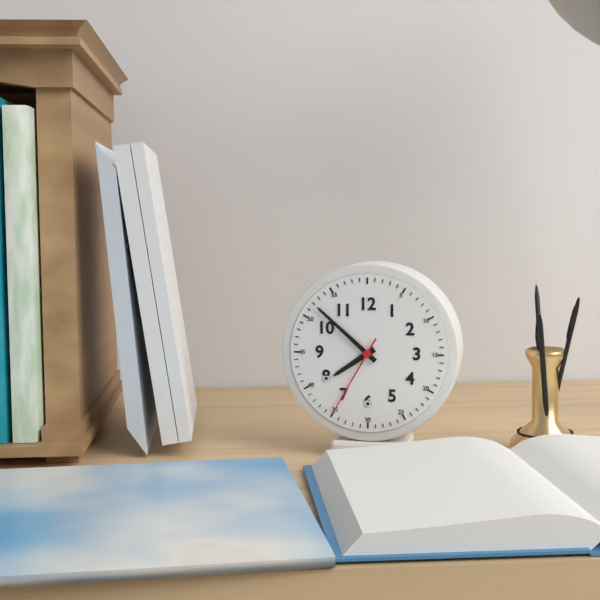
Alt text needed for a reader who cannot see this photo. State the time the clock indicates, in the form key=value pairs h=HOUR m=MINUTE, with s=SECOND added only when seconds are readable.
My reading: h=7 m=52 s=35
